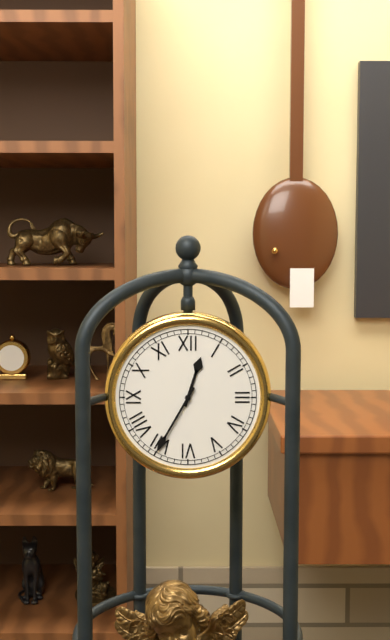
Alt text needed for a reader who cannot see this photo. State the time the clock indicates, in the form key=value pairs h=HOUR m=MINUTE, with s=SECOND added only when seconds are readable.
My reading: h=12 m=35
